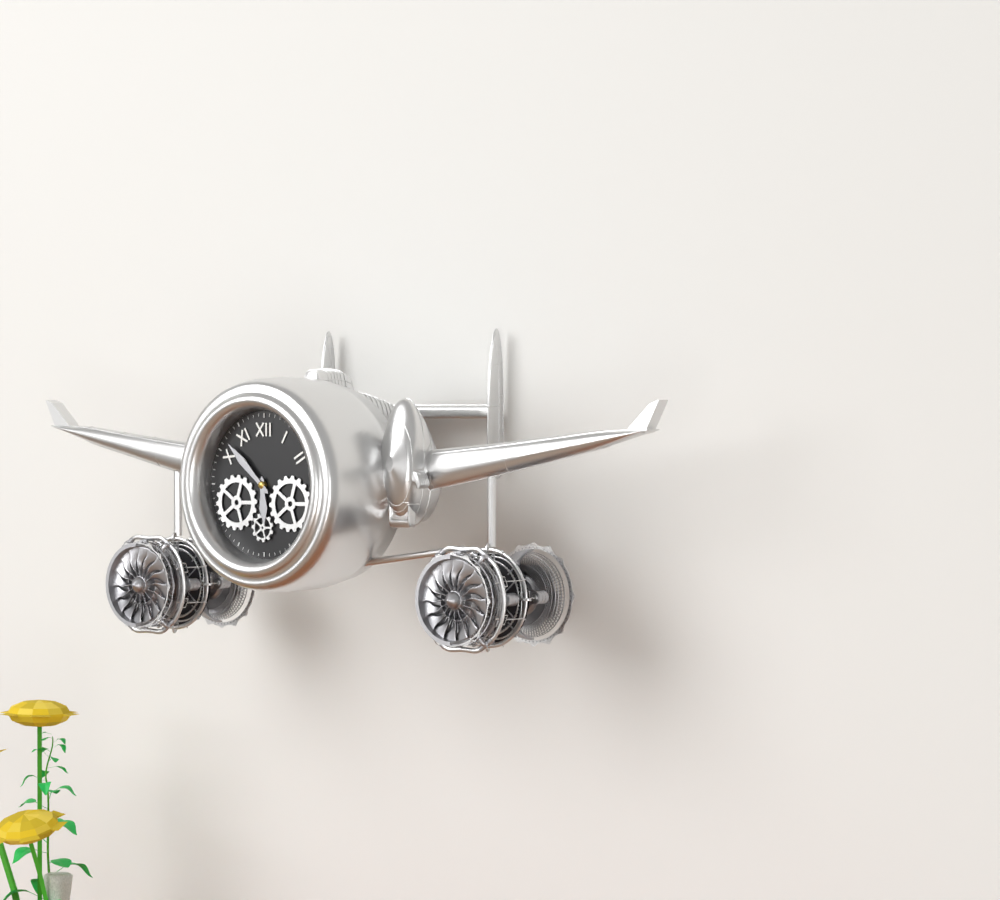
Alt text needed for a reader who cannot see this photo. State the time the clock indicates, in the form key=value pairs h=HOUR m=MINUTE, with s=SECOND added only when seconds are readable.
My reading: h=5 m=52
